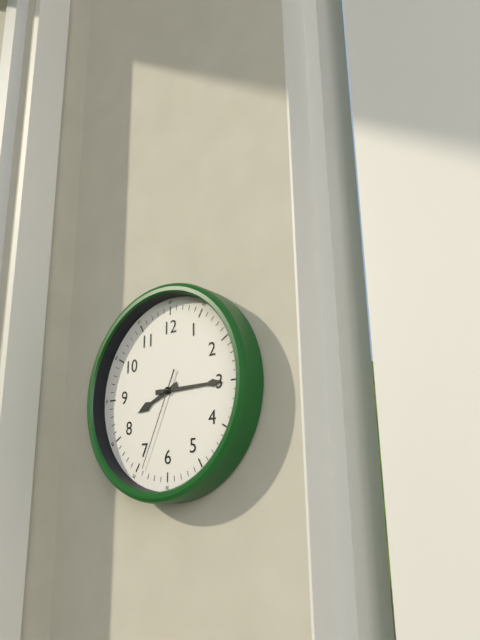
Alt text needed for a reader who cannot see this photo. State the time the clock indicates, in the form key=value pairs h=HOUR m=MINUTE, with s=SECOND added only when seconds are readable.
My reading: h=8 m=15 s=34
